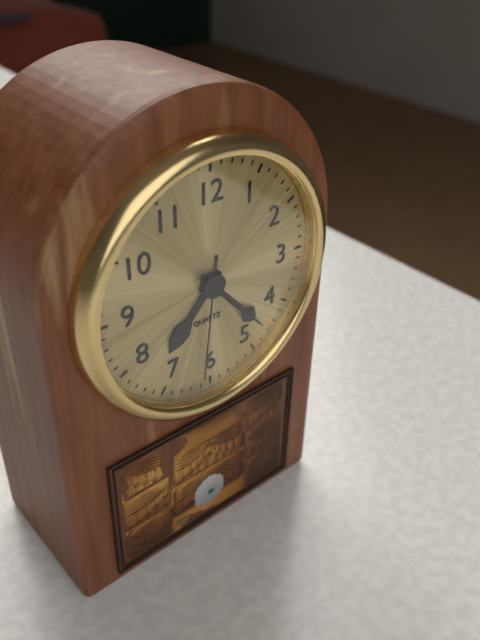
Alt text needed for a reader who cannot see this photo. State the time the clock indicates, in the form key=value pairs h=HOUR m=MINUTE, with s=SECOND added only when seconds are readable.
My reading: h=7 m=23 s=31
